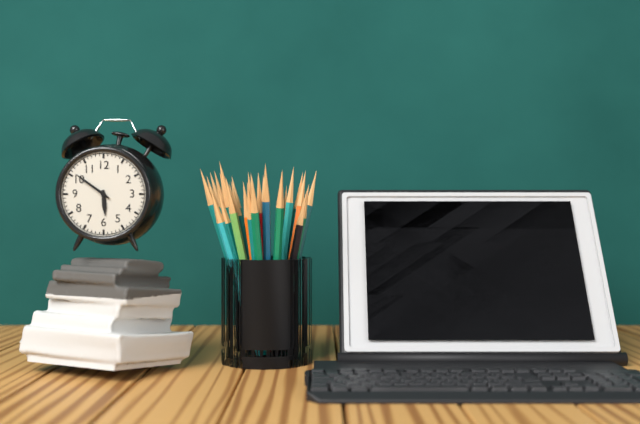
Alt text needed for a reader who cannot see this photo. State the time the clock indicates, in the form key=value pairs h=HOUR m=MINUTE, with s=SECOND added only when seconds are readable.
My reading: h=5 m=51
